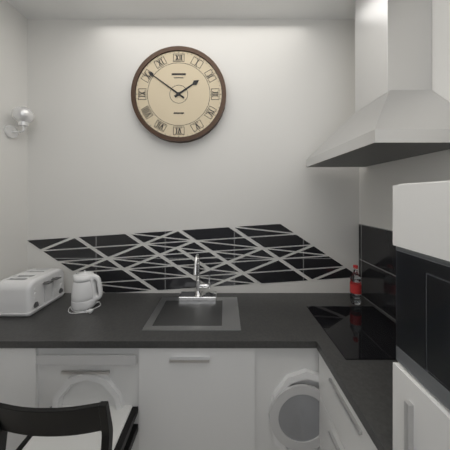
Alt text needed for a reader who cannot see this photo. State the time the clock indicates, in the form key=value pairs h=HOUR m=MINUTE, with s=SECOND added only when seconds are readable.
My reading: h=1 m=51
